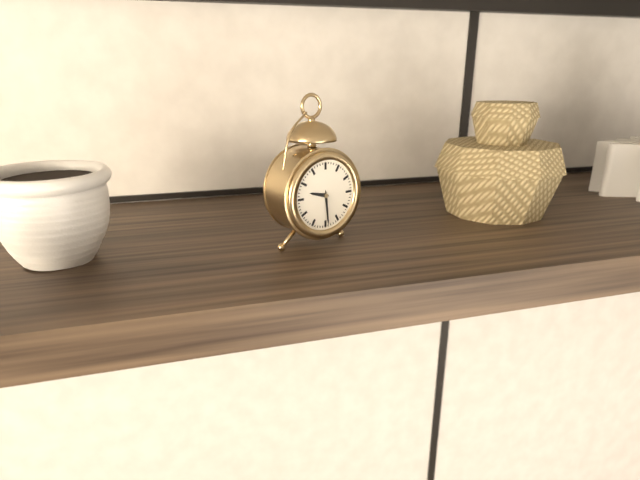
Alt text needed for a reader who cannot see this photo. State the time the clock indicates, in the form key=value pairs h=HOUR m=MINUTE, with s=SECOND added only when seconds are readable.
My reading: h=9 m=29
